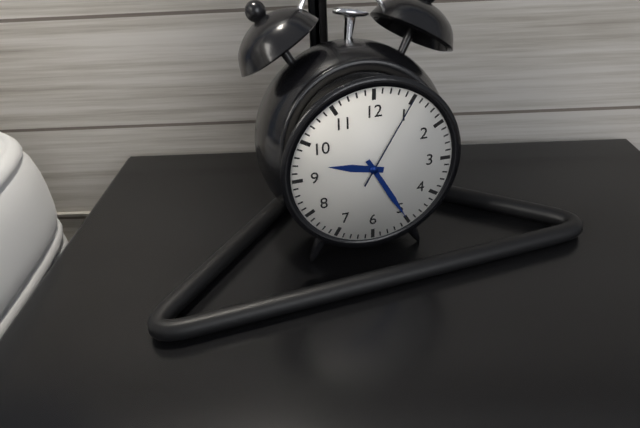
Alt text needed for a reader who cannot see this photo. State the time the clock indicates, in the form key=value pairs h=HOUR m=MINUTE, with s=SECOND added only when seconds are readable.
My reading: h=9 m=25 s=5
